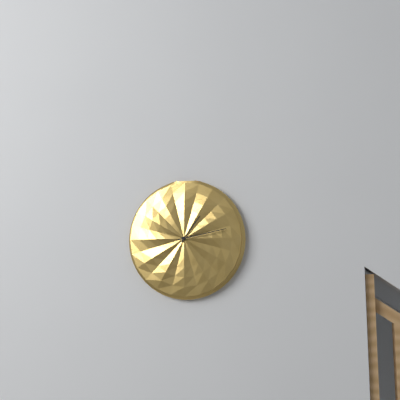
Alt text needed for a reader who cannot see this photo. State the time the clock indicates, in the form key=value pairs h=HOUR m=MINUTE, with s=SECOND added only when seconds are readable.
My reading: h=1 m=13
